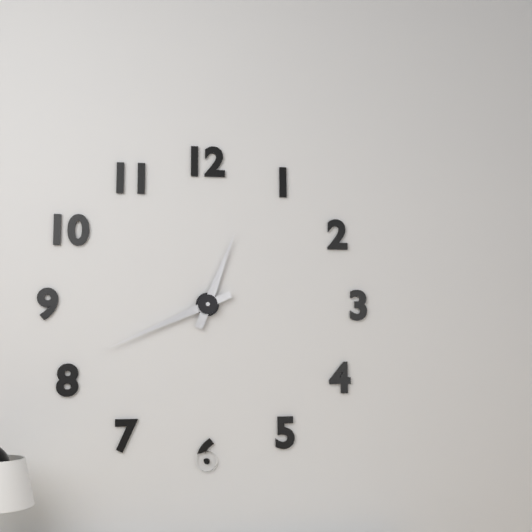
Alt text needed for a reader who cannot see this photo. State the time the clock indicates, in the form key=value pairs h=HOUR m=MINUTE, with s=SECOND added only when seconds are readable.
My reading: h=12 m=41
